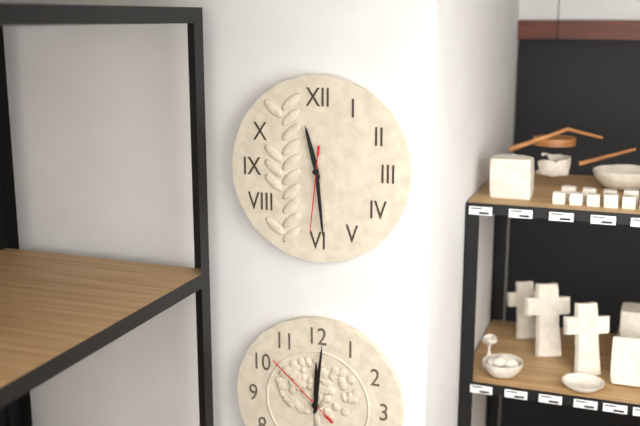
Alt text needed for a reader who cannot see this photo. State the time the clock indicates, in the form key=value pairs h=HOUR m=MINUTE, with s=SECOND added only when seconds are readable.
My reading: h=11 m=29 s=31
